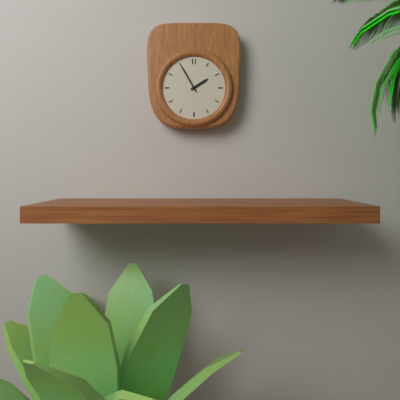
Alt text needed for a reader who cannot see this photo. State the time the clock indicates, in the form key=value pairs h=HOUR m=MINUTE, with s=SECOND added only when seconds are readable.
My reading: h=1 m=55
